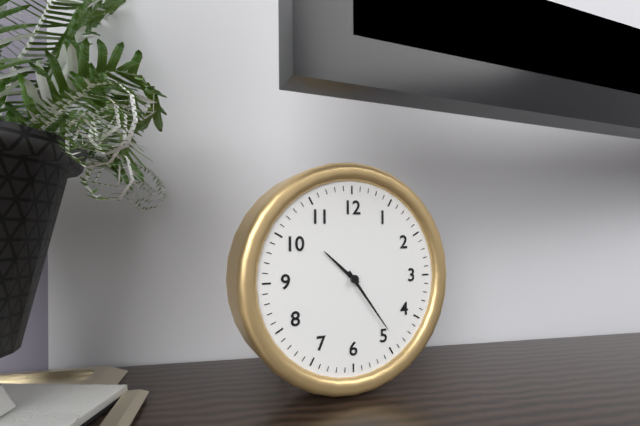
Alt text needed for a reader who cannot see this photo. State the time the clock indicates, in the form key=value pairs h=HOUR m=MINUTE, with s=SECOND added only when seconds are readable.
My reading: h=10 m=24
